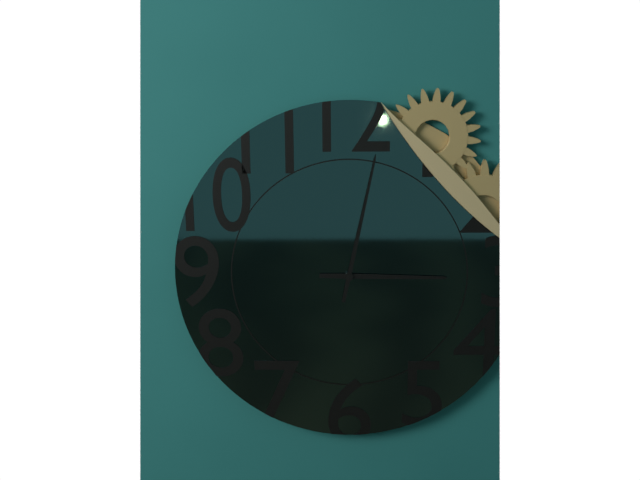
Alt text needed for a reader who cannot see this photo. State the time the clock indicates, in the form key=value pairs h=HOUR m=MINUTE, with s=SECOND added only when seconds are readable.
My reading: h=3 m=2
